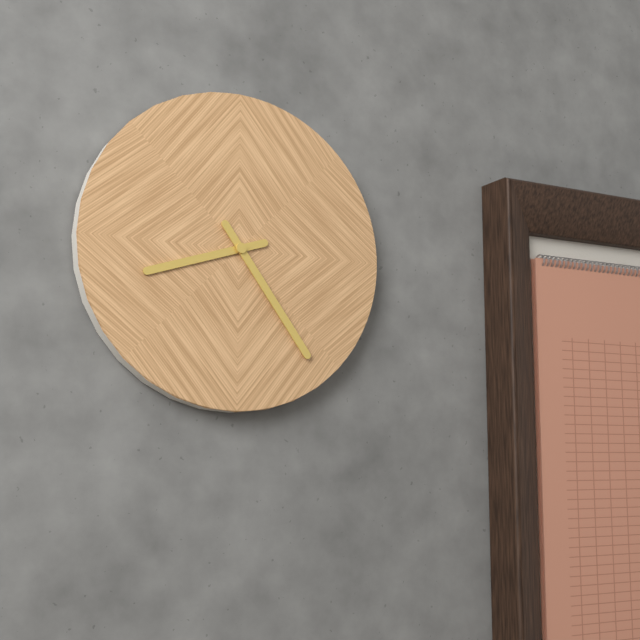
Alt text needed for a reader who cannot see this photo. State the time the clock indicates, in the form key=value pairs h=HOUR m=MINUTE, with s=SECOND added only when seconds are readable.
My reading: h=8 m=24
